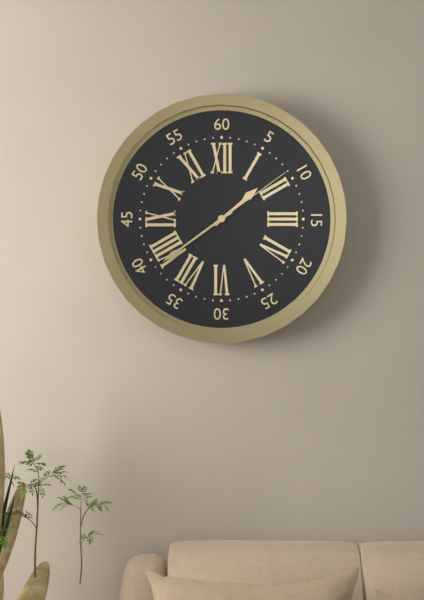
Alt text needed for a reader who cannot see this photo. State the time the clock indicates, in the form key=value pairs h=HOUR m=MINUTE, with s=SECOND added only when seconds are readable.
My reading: h=1 m=39 s=9
